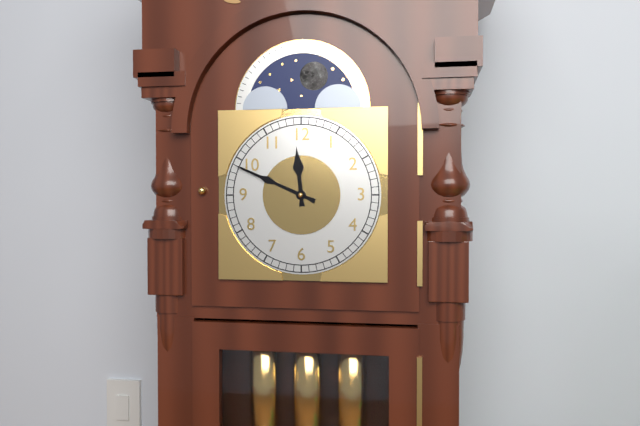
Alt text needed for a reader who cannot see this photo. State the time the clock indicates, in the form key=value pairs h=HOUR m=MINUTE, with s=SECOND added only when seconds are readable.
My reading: h=11 m=49
